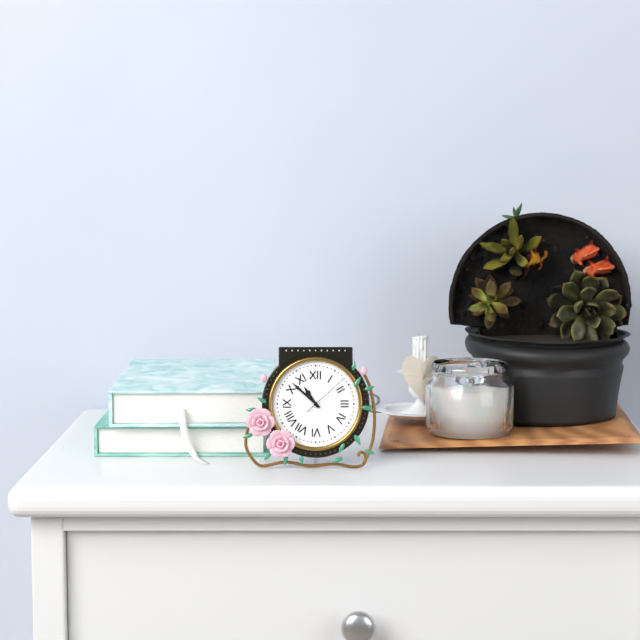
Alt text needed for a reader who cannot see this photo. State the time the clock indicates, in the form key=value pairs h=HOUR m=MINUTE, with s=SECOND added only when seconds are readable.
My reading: h=10 m=52
